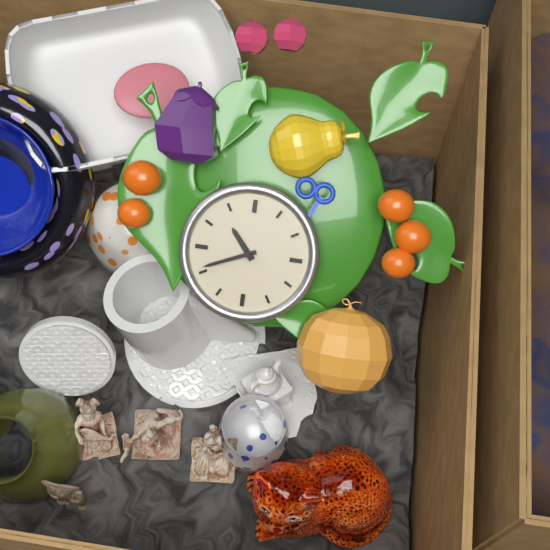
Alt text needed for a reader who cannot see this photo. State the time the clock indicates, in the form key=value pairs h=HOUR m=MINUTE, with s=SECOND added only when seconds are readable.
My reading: h=10 m=41
